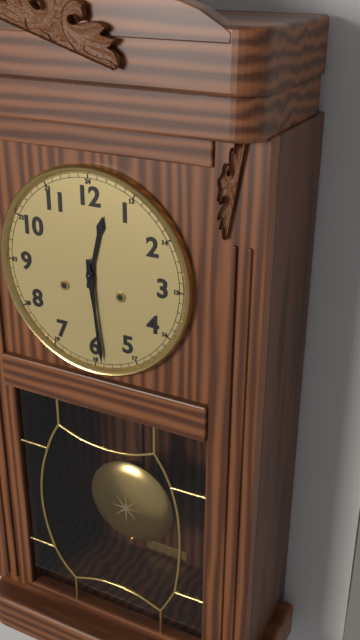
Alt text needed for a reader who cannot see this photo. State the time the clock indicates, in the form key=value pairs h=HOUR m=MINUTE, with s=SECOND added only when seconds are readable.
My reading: h=12 m=29
